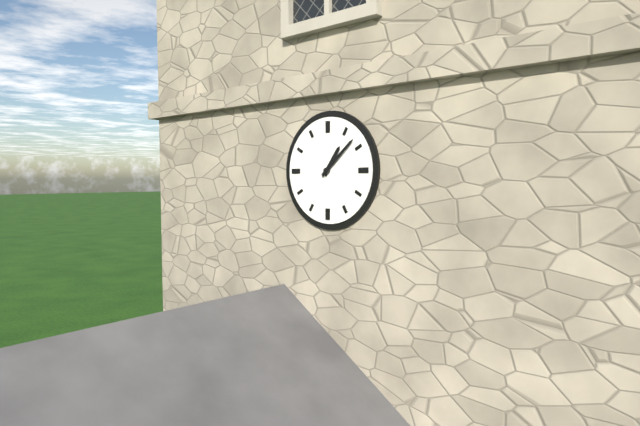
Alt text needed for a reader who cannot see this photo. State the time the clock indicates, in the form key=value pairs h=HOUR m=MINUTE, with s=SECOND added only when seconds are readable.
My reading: h=1 m=8
